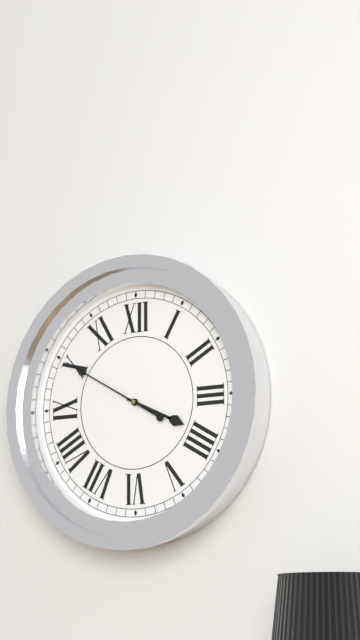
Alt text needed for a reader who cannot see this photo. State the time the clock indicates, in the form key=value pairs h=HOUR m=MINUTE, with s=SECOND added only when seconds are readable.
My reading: h=3 m=50
